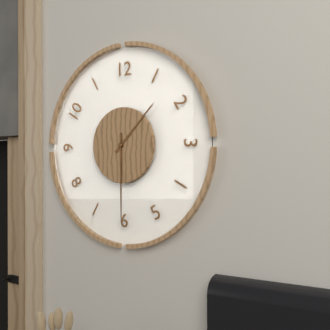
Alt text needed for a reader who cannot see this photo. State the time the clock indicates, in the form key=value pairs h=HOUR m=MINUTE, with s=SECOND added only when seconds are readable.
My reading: h=1 m=30
